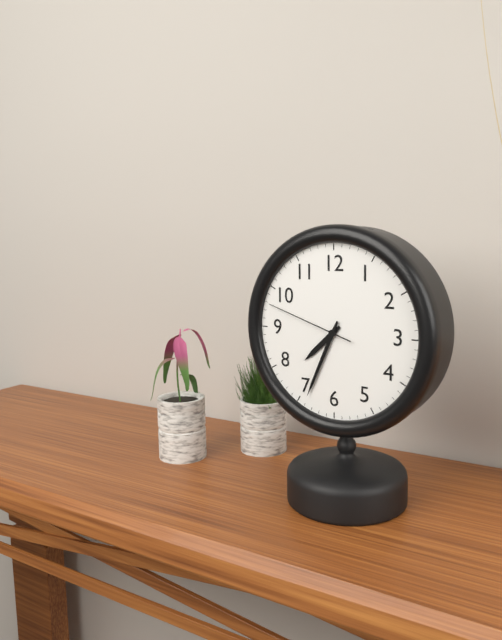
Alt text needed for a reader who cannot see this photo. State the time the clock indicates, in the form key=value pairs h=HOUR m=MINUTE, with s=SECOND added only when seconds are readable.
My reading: h=7 m=34 s=48
